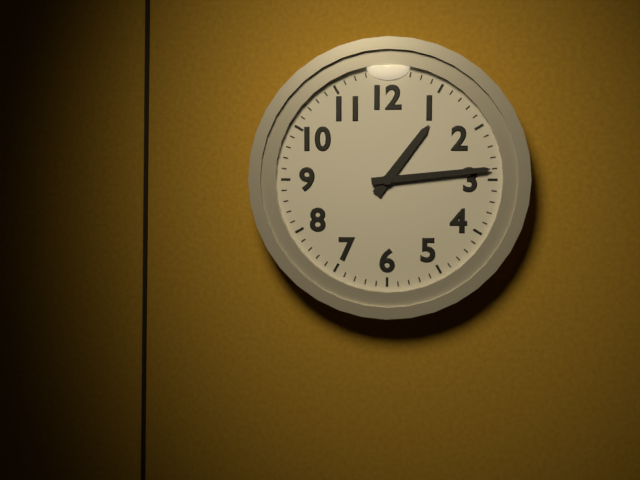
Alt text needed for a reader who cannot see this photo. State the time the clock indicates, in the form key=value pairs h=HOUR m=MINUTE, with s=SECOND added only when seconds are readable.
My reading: h=1 m=14
